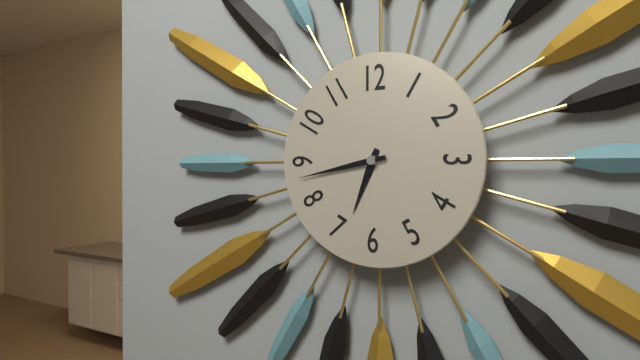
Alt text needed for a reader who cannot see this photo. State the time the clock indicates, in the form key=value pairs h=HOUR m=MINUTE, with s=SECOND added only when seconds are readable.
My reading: h=6 m=43
